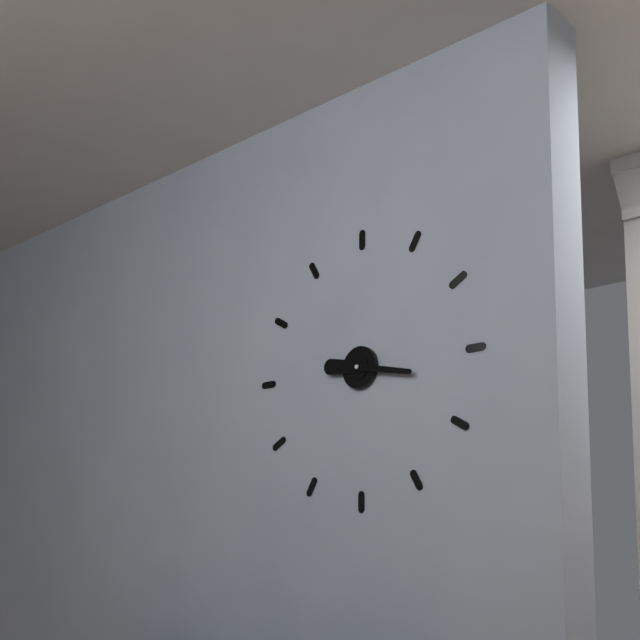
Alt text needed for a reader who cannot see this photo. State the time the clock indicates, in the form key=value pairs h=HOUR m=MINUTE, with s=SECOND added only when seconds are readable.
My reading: h=9 m=17
